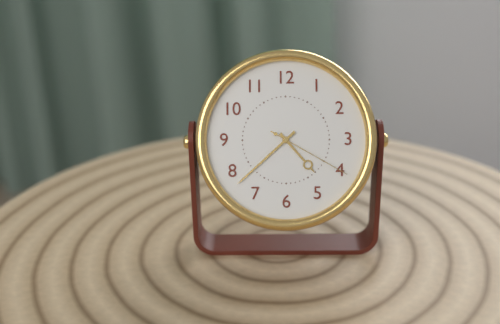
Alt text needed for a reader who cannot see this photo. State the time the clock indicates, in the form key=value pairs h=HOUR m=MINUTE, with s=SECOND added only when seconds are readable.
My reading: h=4 m=38 s=20
